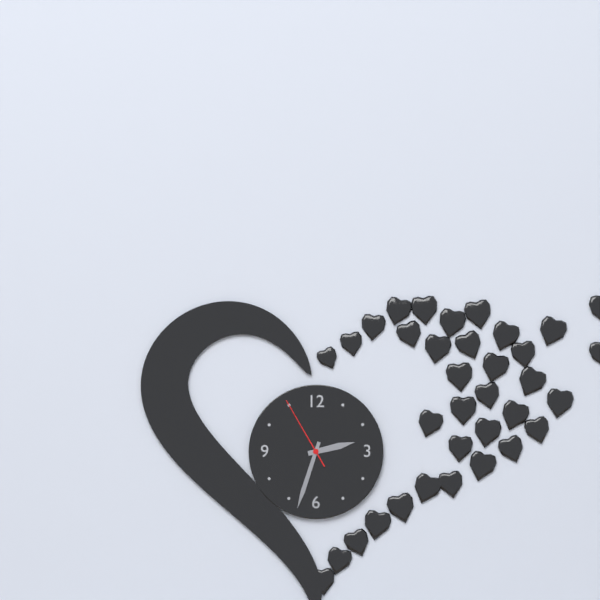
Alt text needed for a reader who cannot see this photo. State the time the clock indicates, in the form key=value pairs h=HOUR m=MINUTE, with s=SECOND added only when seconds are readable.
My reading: h=2 m=33 s=55
